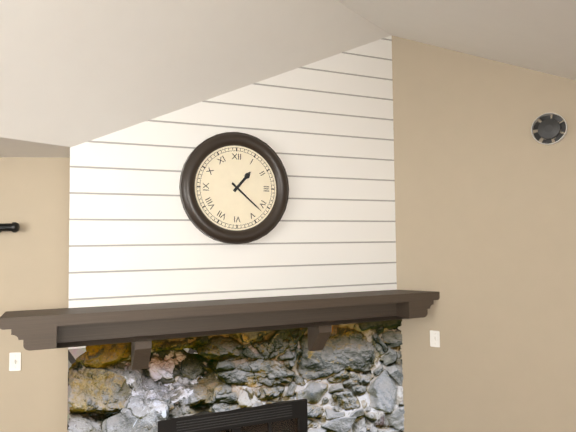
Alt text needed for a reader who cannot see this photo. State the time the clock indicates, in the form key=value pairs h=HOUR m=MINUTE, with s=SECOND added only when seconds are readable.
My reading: h=1 m=22
